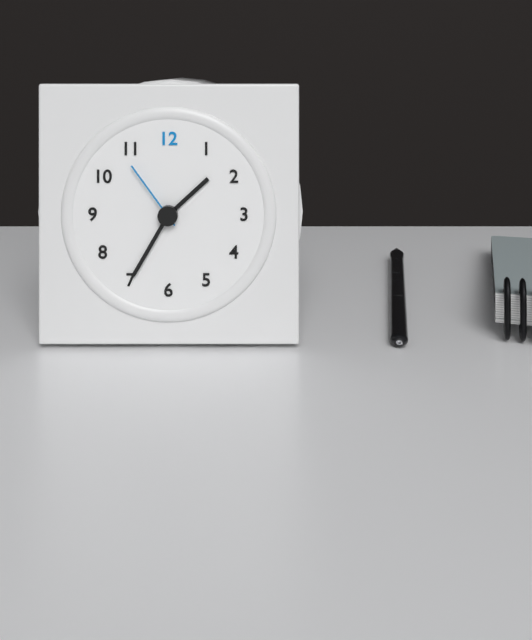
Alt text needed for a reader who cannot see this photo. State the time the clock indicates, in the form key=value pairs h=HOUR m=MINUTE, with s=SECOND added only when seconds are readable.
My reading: h=1 m=35 s=54
